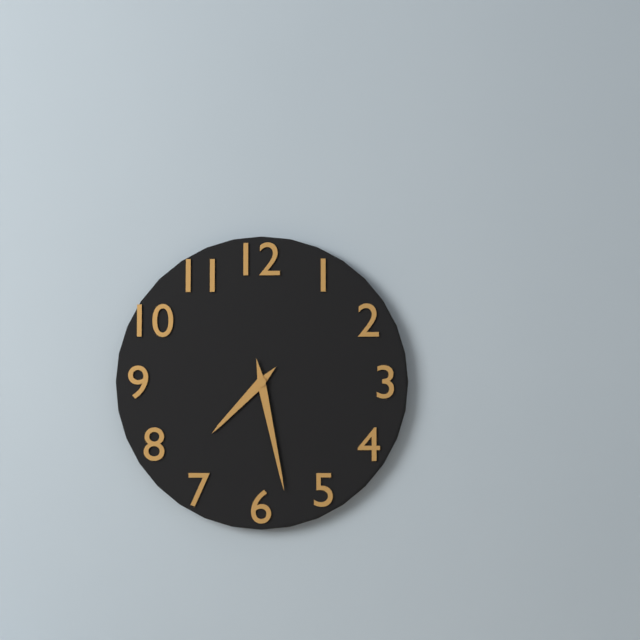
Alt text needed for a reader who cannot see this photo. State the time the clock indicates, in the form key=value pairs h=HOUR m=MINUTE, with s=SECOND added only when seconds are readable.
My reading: h=7 m=28
